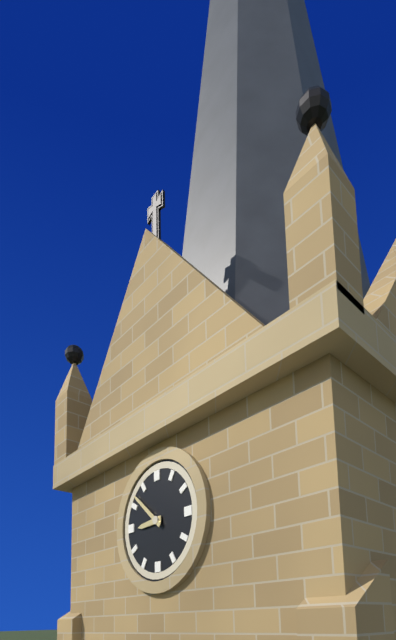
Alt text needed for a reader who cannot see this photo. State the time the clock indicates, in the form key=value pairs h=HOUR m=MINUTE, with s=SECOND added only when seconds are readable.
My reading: h=8 m=52
